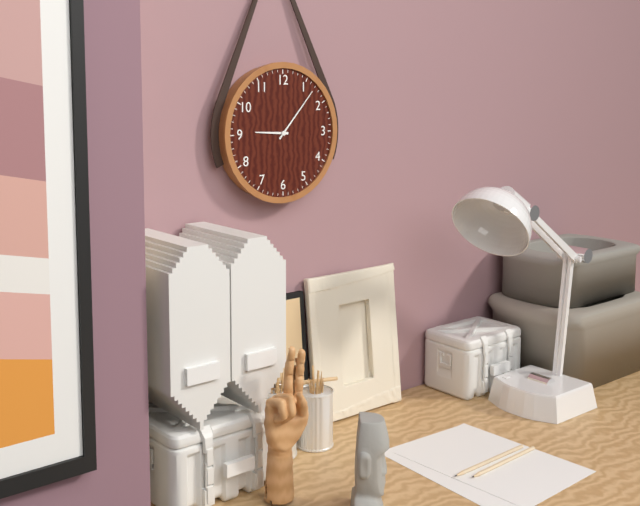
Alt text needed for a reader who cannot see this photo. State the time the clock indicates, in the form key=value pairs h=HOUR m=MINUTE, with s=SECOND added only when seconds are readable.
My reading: h=9 m=7
